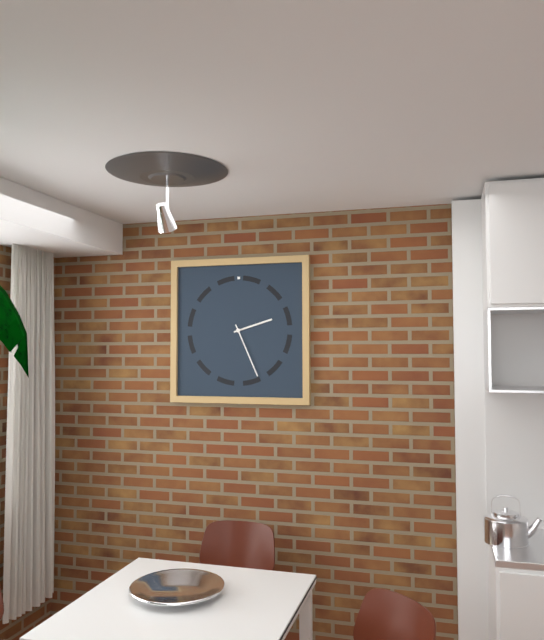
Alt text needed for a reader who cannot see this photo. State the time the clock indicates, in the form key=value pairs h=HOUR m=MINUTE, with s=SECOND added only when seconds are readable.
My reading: h=2 m=26
